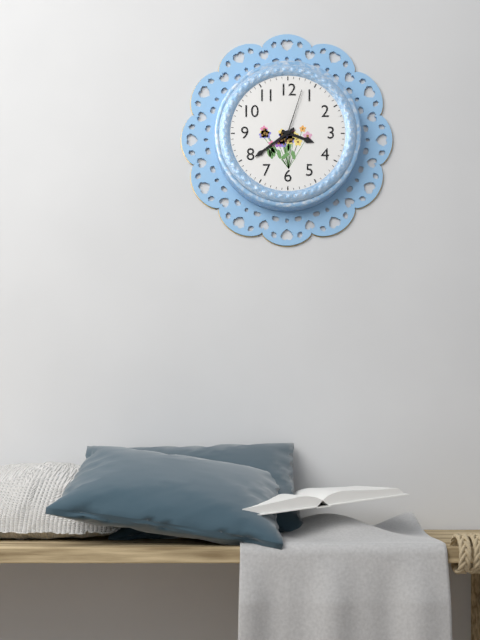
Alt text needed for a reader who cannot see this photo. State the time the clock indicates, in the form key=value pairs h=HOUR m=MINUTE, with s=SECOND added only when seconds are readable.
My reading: h=3 m=39 s=3
